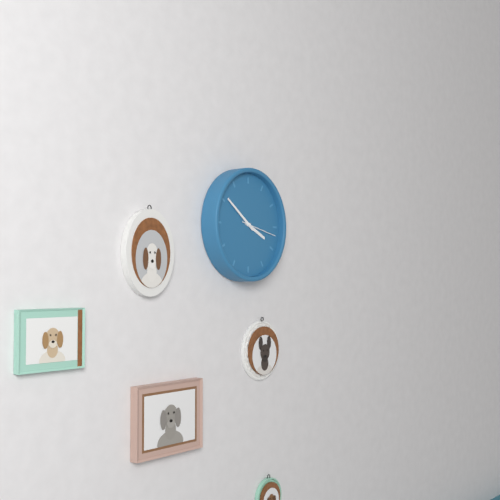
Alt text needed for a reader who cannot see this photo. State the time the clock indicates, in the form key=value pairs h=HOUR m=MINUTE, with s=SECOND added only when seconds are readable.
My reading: h=3 m=51
